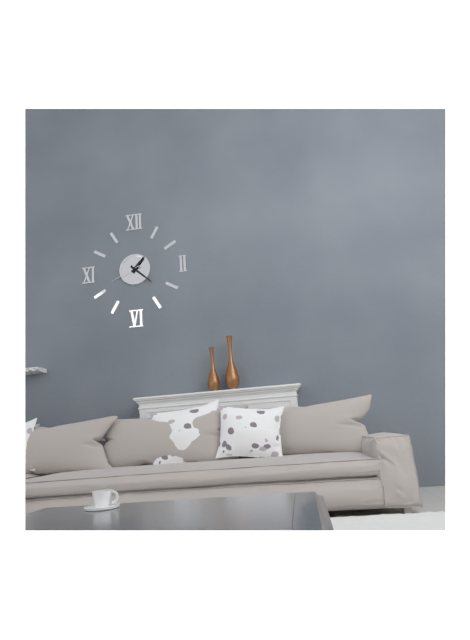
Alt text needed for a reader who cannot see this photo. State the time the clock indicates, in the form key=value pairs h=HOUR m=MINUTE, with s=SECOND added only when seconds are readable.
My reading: h=1 m=22
